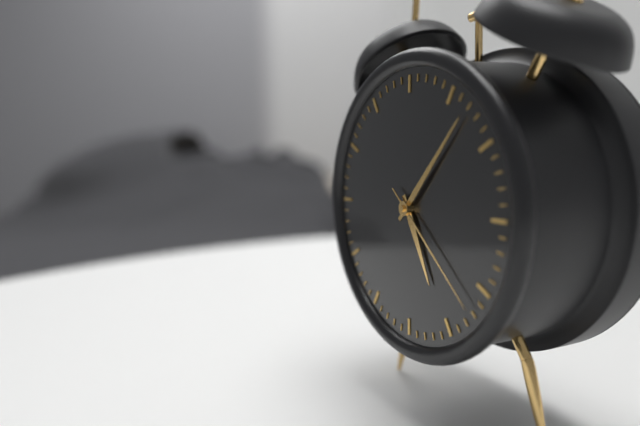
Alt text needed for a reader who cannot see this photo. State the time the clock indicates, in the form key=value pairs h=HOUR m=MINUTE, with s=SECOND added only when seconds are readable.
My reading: h=5 m=7 s=22
